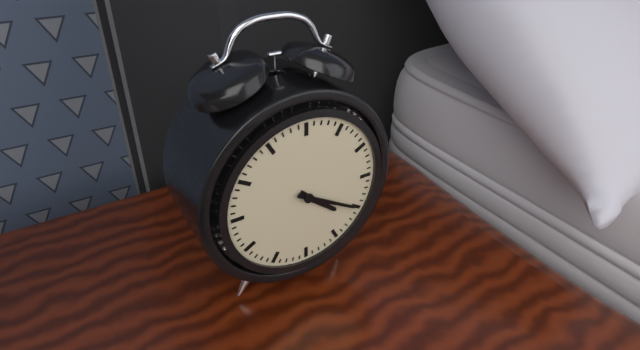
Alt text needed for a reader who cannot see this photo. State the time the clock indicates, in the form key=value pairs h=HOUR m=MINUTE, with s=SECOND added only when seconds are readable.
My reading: h=4 m=20
